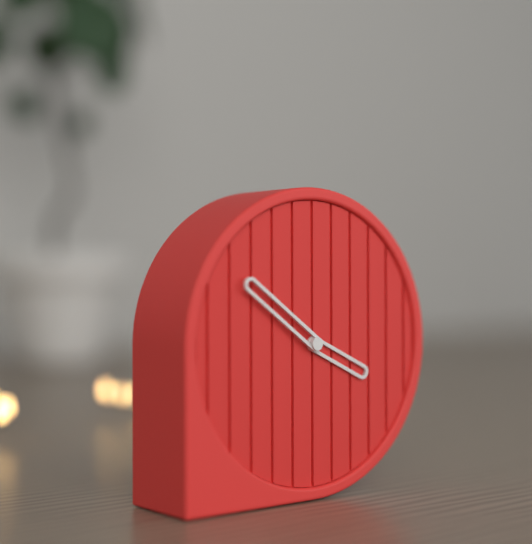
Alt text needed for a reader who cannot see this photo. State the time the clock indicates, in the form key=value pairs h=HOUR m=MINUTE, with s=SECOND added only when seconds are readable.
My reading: h=3 m=51
